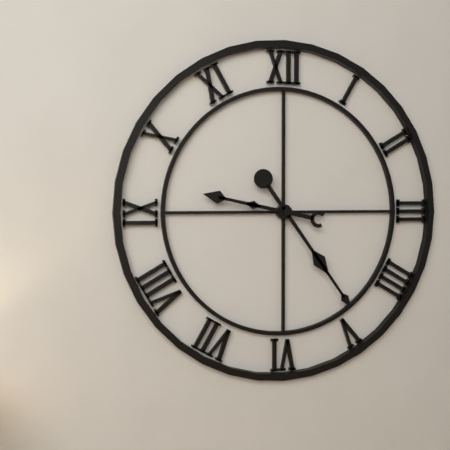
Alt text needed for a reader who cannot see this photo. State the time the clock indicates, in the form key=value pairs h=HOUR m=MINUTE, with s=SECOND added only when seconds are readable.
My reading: h=9 m=24
